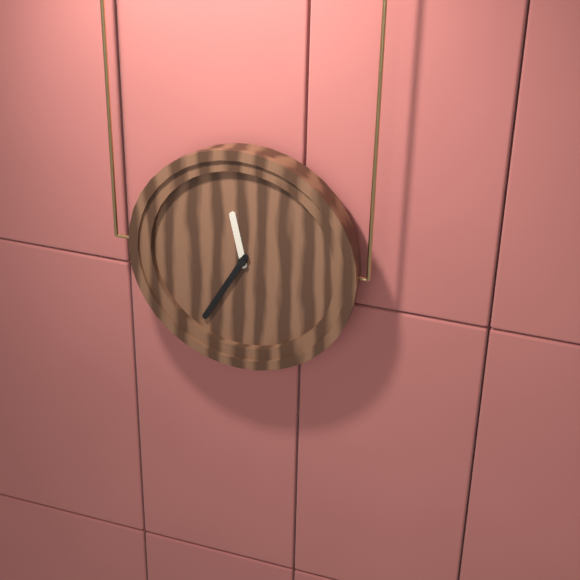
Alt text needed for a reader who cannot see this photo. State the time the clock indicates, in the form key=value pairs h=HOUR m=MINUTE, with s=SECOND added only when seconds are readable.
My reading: h=11 m=35
